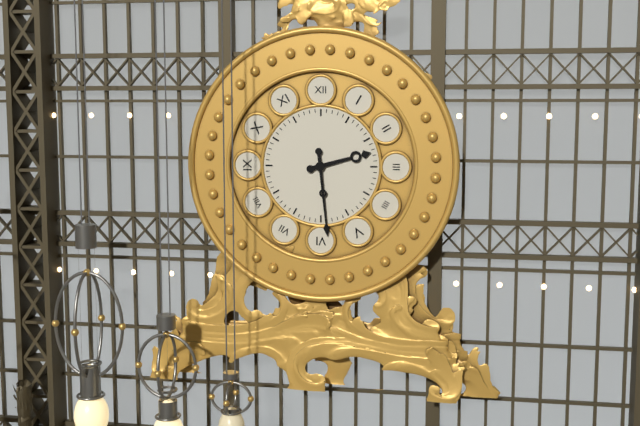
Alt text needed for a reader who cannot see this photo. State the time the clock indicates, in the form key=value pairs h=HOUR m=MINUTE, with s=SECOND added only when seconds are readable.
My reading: h=2 m=29
